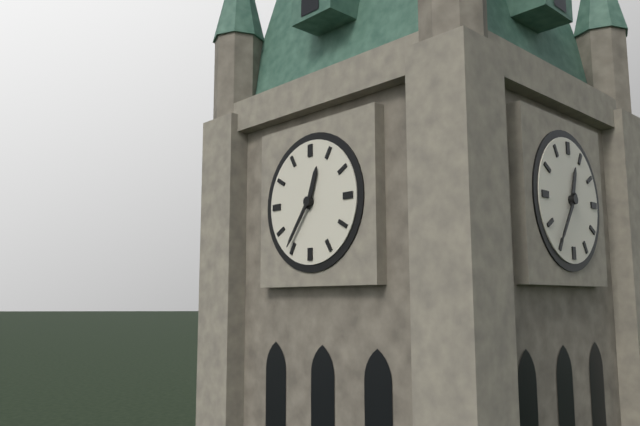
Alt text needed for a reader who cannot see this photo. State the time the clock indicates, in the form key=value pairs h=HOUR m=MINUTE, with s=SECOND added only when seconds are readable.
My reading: h=12 m=36
